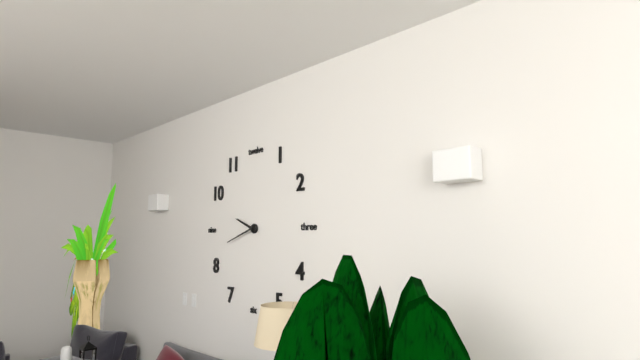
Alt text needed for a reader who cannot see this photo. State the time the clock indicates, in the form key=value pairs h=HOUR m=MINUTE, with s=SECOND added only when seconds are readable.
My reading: h=9 m=42
